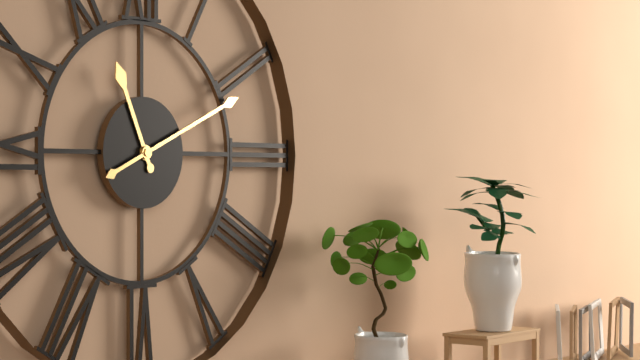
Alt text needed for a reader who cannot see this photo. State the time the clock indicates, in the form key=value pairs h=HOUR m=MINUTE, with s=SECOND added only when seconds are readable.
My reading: h=11 m=11
